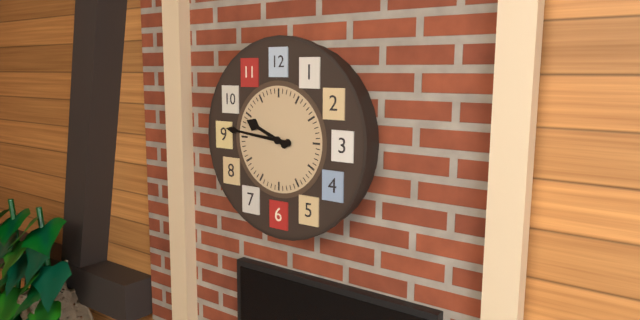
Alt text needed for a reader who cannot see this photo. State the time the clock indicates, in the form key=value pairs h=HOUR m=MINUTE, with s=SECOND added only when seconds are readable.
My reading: h=9 m=46
